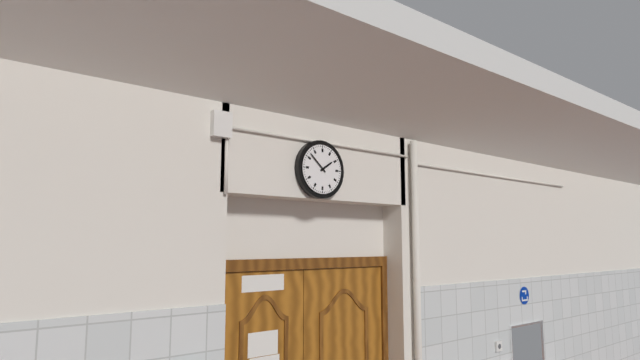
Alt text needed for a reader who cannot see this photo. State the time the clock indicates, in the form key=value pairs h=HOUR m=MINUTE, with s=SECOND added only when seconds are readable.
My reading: h=1 m=52
